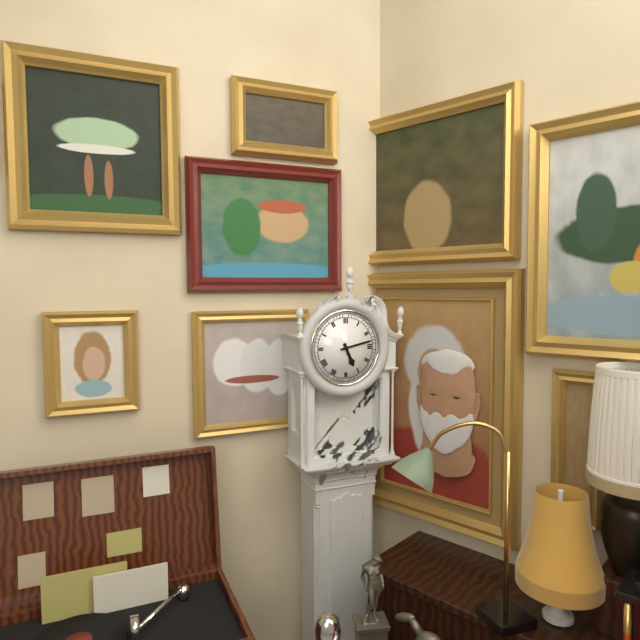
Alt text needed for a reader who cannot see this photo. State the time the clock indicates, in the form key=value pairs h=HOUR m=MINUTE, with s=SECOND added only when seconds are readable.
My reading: h=5 m=13
